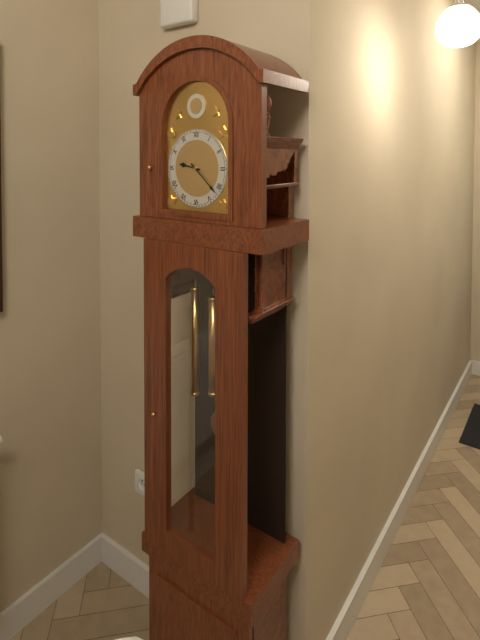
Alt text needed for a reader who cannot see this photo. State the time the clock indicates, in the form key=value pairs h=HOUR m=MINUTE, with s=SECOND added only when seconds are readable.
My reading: h=9 m=22
